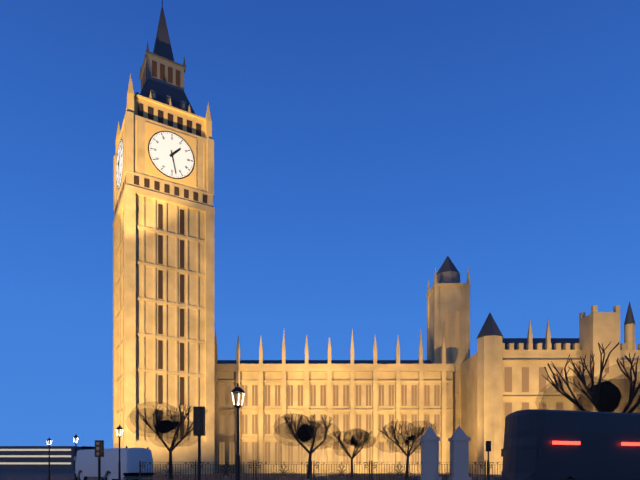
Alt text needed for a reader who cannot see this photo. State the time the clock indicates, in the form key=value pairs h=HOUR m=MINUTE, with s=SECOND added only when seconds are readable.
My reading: h=1 m=28
